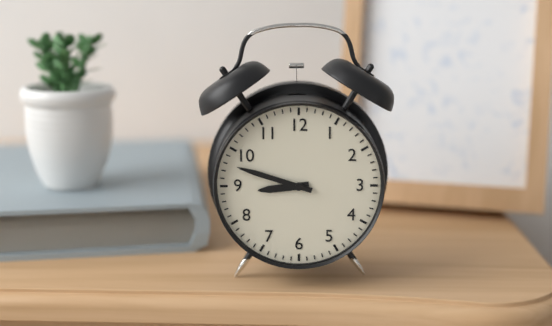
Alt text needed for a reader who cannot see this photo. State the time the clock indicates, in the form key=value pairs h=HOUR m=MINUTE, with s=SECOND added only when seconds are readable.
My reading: h=8 m=48
